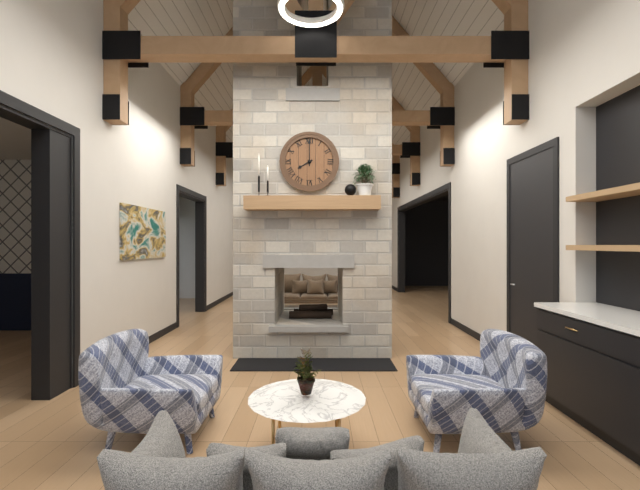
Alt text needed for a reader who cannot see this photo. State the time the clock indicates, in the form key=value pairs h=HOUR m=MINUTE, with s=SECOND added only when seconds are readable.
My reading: h=8 m=0
